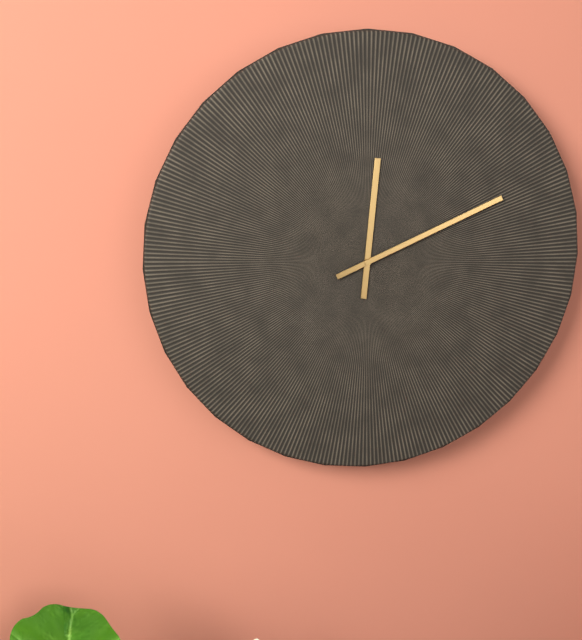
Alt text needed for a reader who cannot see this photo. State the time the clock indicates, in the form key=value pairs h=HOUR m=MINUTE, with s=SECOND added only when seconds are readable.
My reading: h=12 m=11
